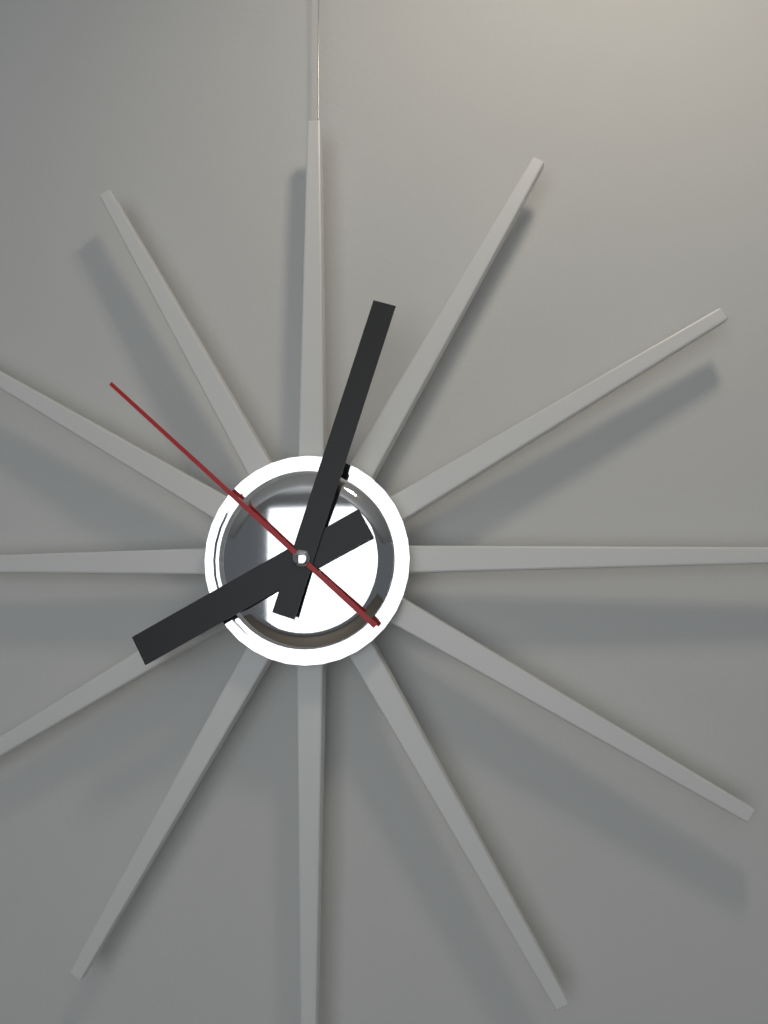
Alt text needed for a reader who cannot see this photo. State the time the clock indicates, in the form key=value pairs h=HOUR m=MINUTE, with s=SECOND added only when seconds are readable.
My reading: h=8 m=3 s=52
